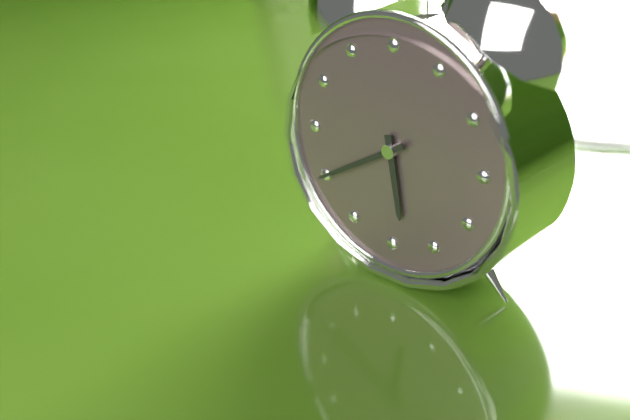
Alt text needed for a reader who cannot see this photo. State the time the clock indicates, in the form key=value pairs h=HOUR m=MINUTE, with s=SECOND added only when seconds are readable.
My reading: h=5 m=40
